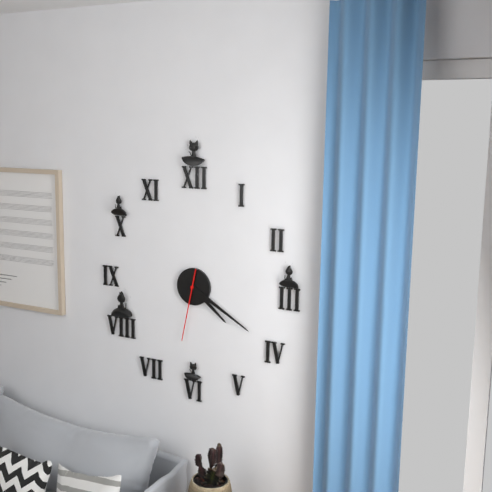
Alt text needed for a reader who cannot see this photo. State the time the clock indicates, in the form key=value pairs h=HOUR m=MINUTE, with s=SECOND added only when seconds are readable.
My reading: h=4 m=20 s=32
